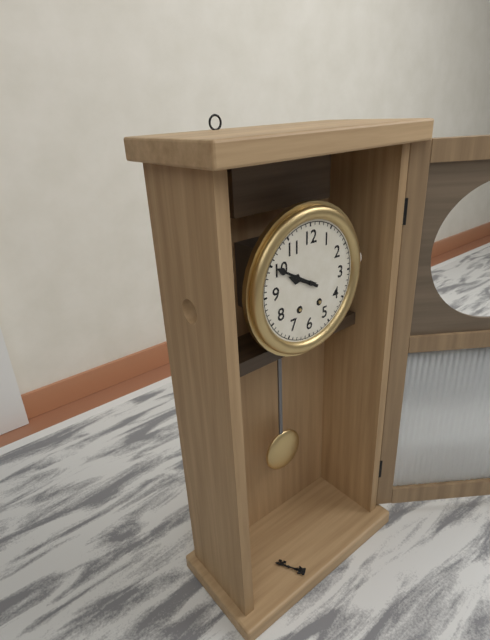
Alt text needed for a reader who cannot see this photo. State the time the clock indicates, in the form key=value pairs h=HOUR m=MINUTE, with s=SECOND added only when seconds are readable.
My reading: h=9 m=50
